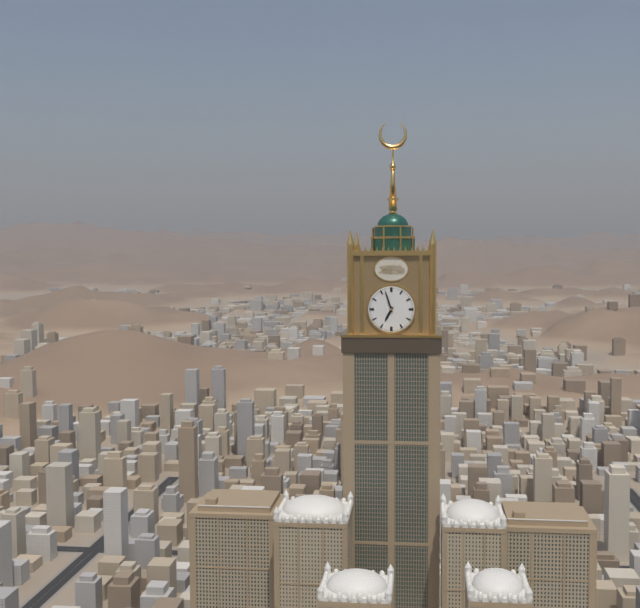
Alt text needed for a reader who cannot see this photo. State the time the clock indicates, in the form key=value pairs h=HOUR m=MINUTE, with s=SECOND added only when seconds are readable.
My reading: h=6 m=57
